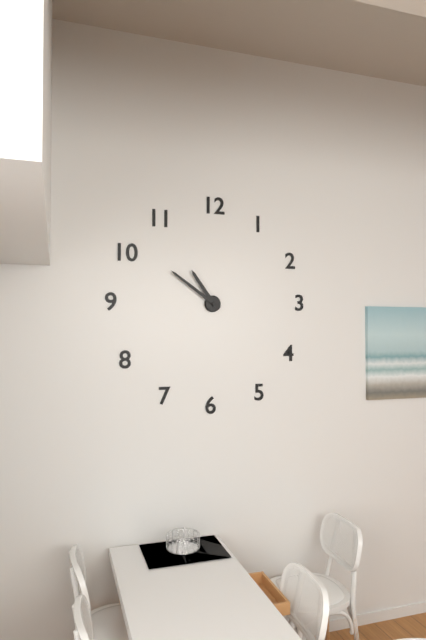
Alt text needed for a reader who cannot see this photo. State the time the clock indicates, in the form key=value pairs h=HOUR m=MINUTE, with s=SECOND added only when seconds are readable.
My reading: h=10 m=51
